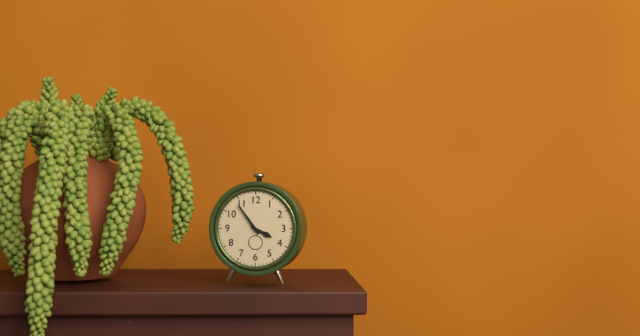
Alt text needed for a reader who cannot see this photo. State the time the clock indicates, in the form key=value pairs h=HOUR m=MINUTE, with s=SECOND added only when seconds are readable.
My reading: h=3 m=54
